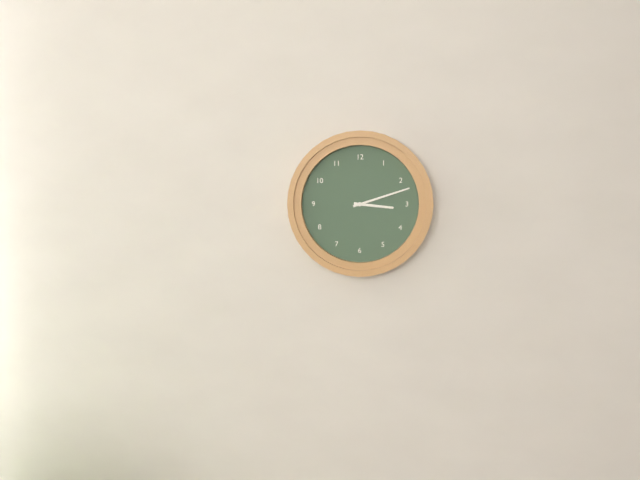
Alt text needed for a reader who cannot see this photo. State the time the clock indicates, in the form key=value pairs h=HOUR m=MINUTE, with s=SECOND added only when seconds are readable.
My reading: h=3 m=12
